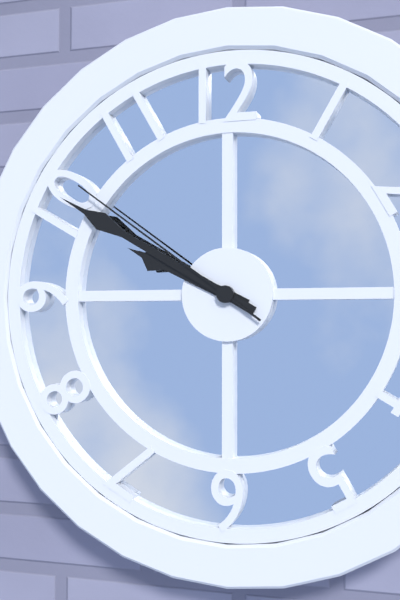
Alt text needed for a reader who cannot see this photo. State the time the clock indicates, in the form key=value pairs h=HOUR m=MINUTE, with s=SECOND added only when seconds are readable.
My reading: h=9 m=50 s=51
